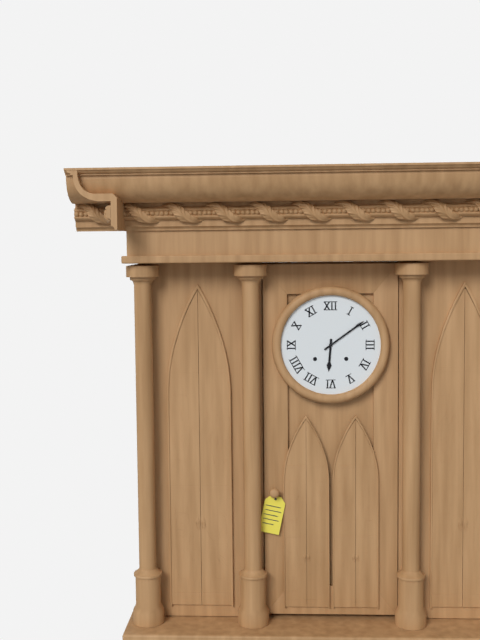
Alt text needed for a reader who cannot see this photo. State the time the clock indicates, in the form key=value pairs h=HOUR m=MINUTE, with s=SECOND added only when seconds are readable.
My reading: h=6 m=9
